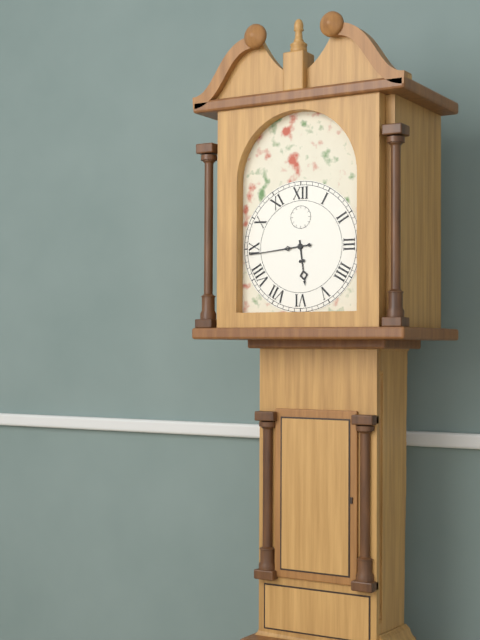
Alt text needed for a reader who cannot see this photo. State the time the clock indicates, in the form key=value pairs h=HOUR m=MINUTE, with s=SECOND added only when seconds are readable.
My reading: h=5 m=44
